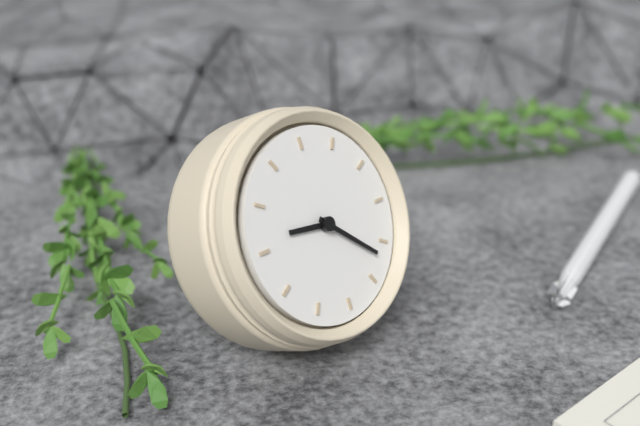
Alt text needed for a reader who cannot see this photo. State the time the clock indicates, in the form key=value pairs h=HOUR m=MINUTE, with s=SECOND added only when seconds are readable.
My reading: h=8 m=17
